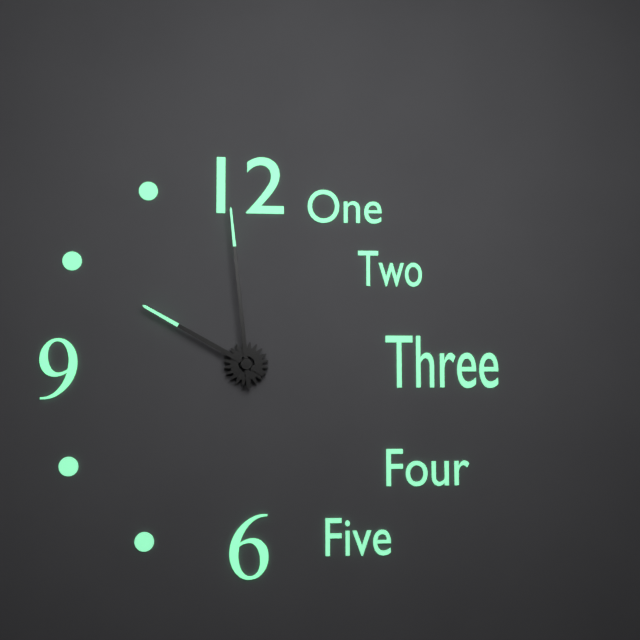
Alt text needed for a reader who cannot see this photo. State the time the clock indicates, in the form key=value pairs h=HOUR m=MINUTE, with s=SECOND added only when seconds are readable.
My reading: h=9 m=59
